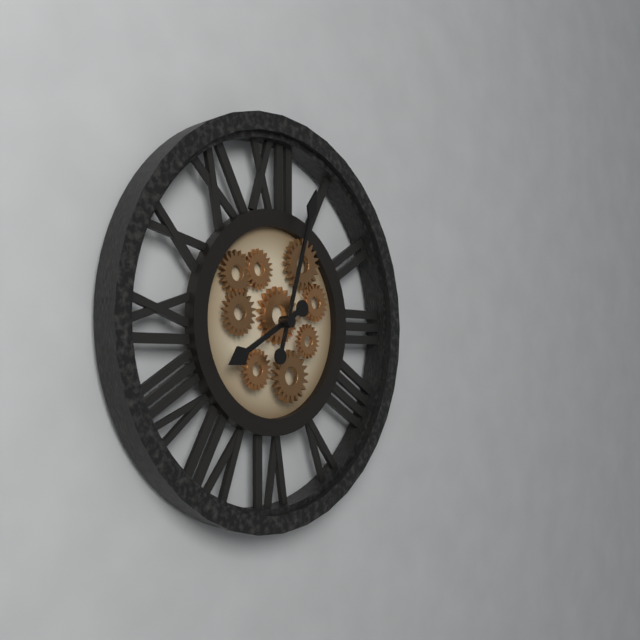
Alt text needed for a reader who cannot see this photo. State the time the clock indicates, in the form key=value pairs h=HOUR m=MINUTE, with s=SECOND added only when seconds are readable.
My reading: h=8 m=3
